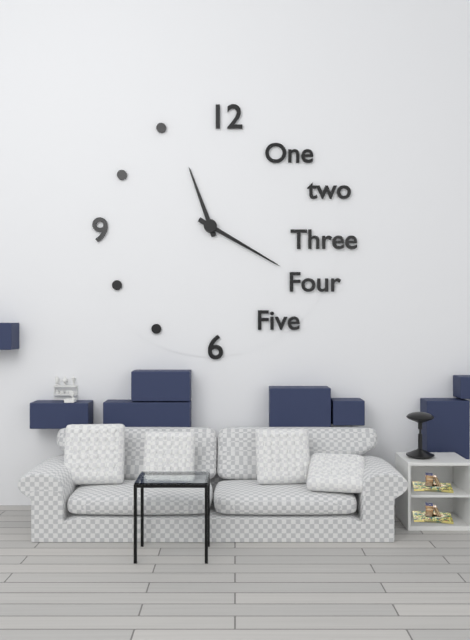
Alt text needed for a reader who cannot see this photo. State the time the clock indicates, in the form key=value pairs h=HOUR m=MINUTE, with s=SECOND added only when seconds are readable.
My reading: h=11 m=20
